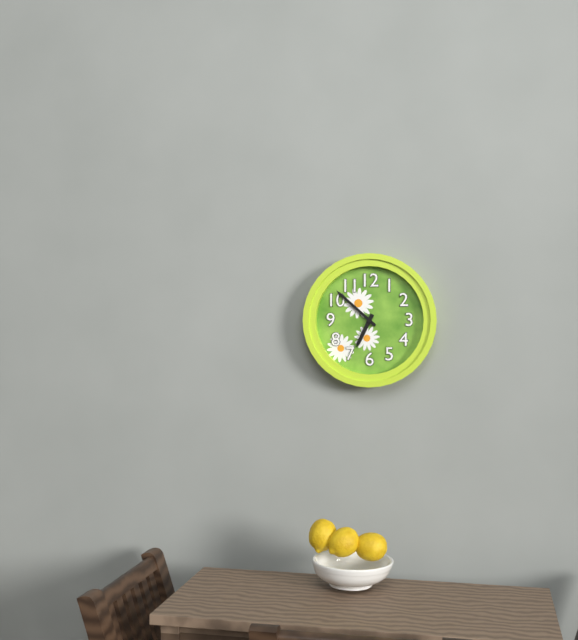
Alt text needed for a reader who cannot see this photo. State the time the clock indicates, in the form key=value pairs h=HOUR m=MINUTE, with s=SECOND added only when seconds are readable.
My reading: h=6 m=52
